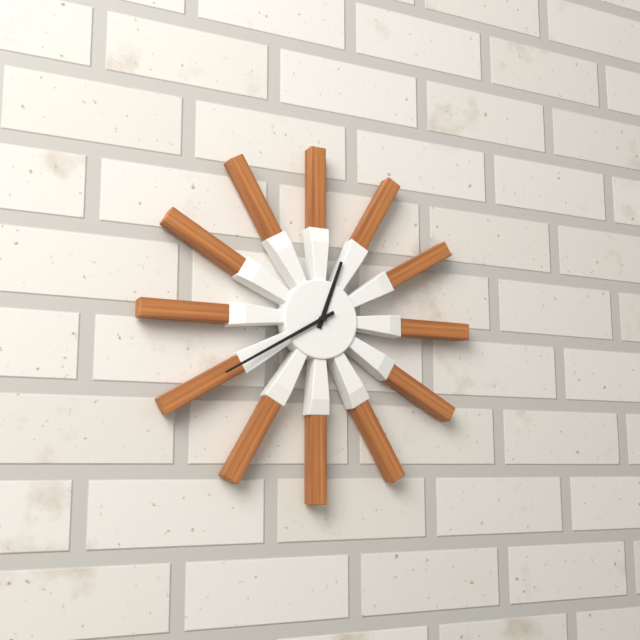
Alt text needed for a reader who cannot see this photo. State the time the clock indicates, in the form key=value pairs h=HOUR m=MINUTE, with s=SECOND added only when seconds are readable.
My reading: h=12 m=40
